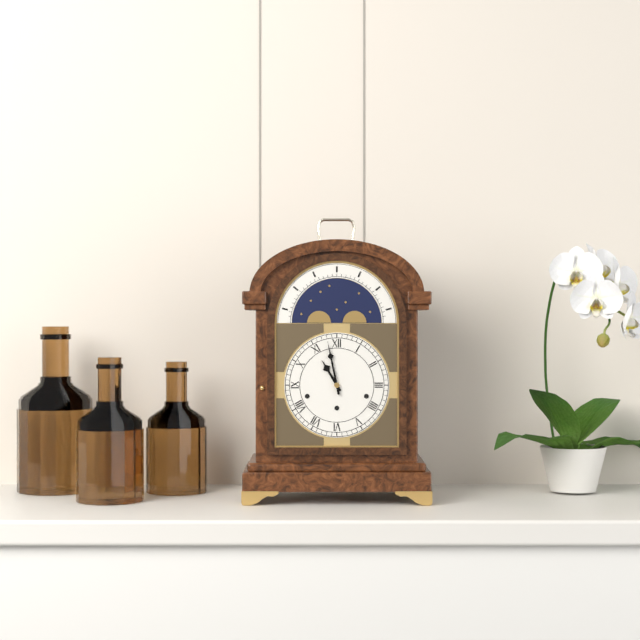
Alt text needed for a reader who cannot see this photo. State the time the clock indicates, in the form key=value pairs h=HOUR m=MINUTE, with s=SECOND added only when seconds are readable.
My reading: h=10 m=58
